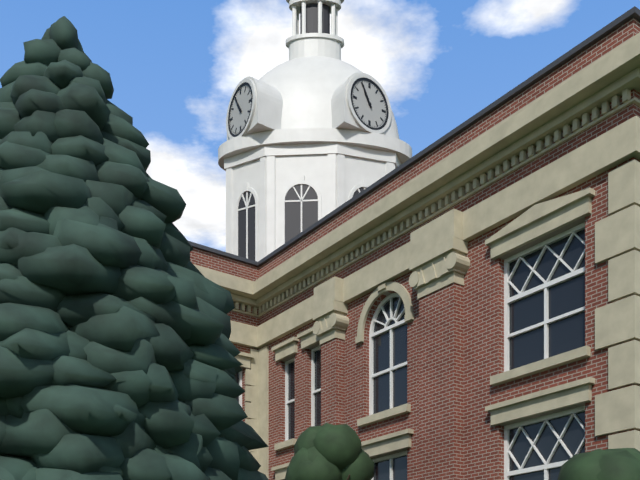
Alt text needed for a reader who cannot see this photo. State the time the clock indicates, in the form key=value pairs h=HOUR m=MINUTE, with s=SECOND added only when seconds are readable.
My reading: h=10 m=55
